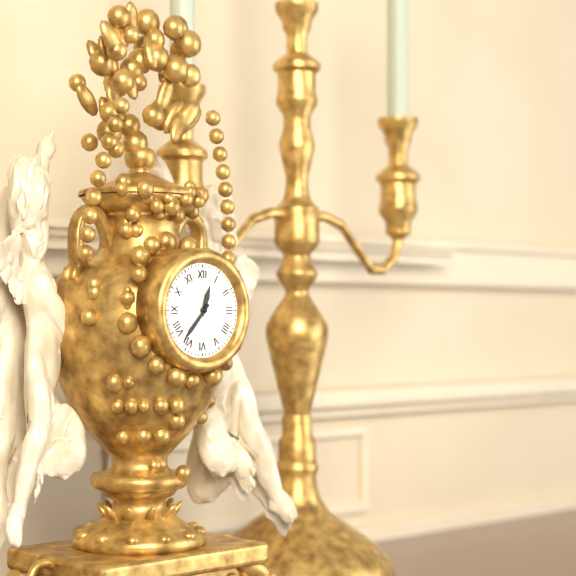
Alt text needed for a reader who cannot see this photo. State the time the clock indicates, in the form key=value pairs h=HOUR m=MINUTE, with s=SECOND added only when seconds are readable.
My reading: h=12 m=37
